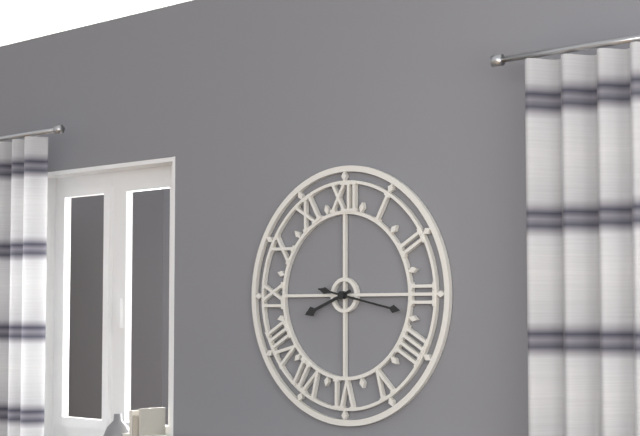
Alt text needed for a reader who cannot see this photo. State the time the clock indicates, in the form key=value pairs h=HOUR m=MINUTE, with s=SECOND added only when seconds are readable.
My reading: h=8 m=17
